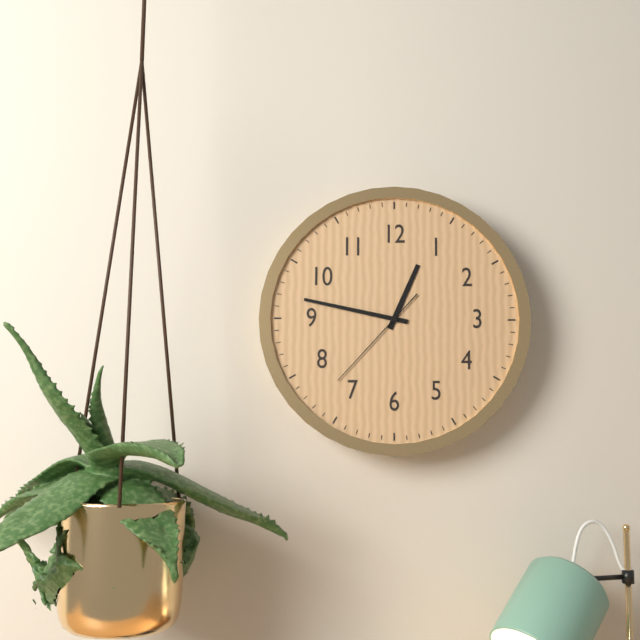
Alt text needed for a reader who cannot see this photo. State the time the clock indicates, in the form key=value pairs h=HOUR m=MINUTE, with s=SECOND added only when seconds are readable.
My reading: h=12 m=47 s=37
